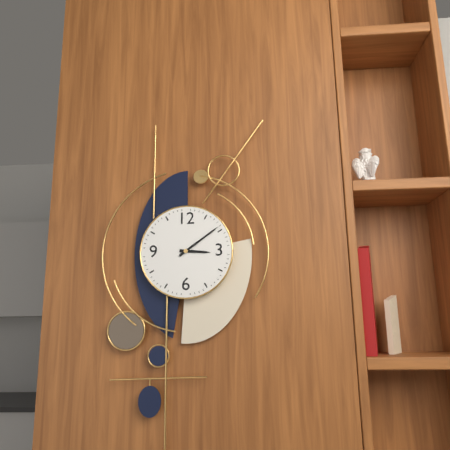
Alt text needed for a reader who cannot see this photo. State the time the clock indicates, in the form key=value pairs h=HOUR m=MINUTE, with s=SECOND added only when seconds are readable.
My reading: h=3 m=9
